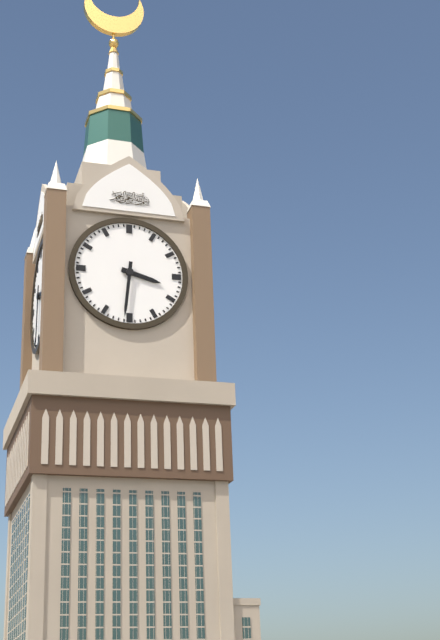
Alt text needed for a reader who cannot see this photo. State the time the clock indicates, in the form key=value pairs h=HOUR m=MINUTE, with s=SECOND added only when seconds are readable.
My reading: h=3 m=31
